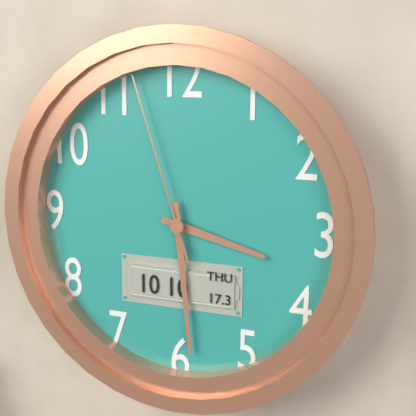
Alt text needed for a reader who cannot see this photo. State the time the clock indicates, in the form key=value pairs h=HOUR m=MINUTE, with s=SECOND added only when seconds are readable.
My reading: h=3 m=29 s=57
